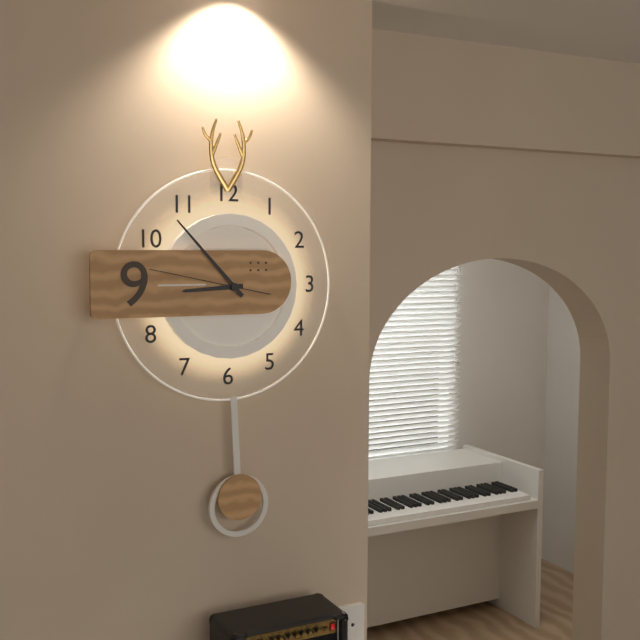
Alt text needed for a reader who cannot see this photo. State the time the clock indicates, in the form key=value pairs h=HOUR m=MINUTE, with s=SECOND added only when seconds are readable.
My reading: h=8 m=53 s=47
